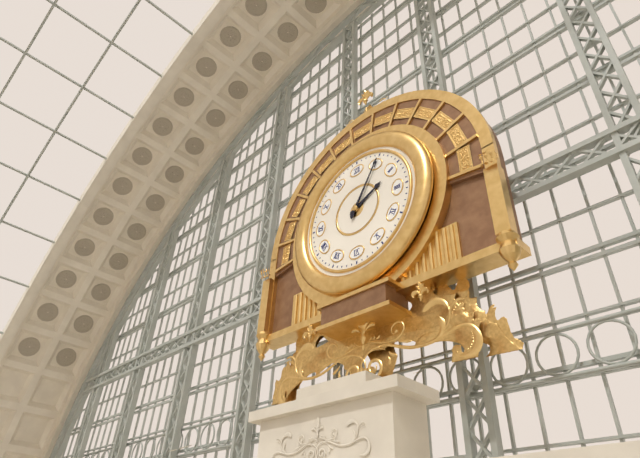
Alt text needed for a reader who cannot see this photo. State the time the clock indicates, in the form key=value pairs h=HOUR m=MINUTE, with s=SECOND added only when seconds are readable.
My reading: h=2 m=5
